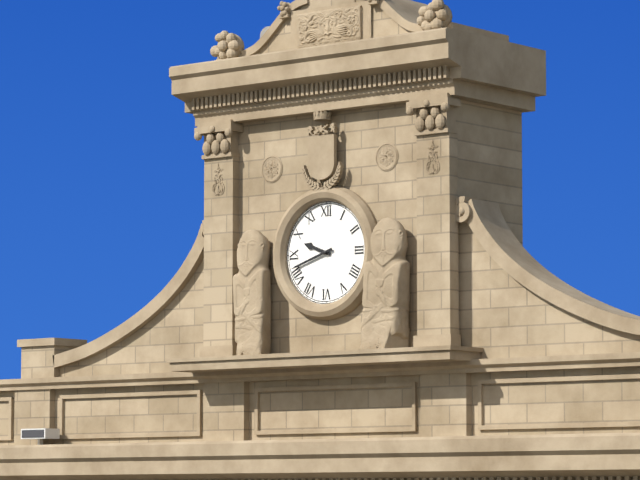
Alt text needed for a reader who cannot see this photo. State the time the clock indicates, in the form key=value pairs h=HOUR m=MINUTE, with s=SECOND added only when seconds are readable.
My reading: h=9 m=42
